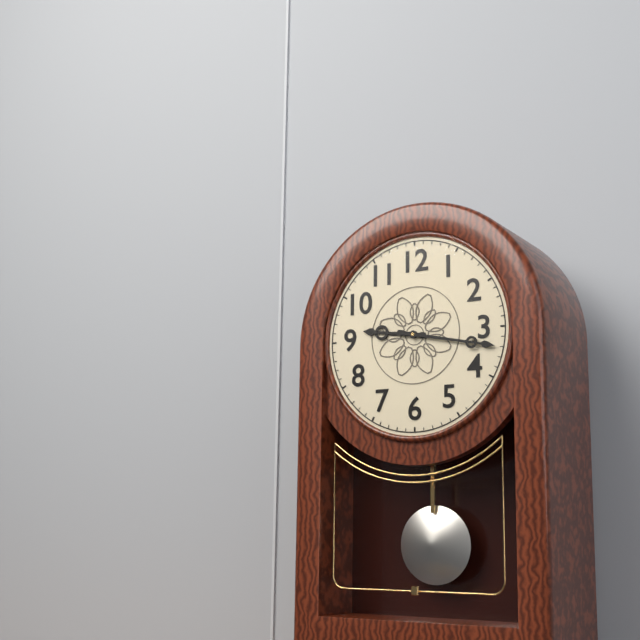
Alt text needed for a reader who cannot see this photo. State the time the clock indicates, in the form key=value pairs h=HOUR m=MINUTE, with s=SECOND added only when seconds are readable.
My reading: h=9 m=17
